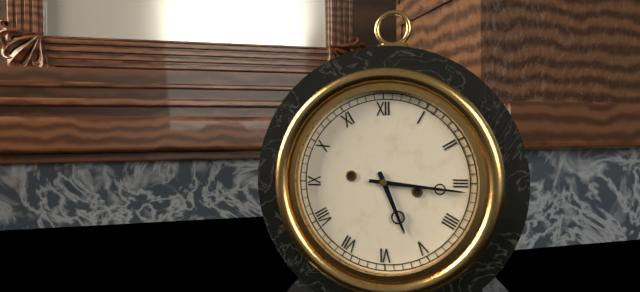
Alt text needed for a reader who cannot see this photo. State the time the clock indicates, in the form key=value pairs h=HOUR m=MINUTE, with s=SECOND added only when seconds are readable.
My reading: h=5 m=16
